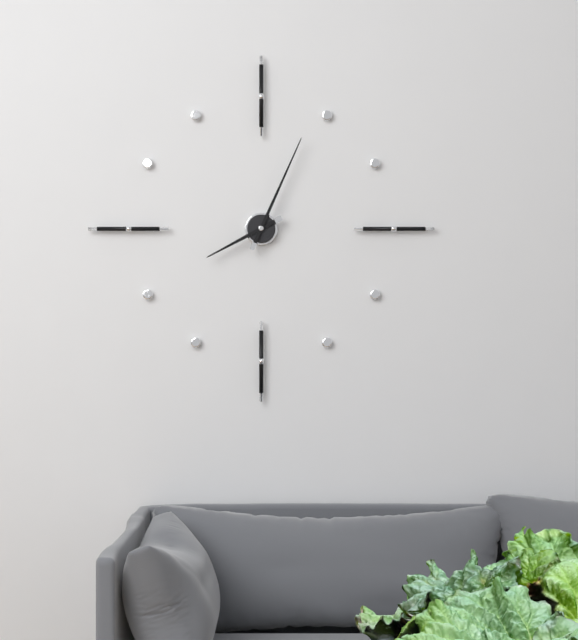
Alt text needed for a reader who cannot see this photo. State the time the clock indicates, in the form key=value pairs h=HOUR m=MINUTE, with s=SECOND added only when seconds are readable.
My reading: h=8 m=4
